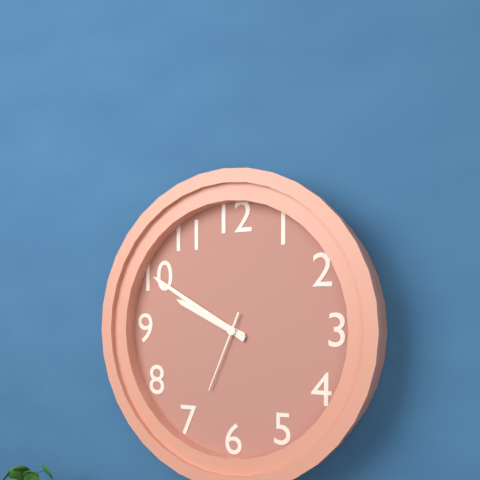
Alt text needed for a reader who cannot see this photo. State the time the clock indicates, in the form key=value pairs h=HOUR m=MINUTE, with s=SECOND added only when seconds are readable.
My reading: h=9 m=50 s=34
